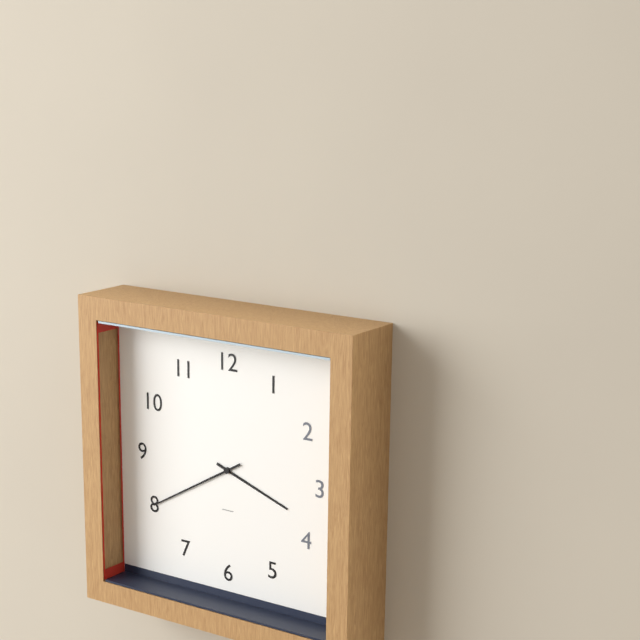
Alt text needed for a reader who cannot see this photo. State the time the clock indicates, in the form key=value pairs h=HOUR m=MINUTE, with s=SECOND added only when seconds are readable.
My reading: h=3 m=40
